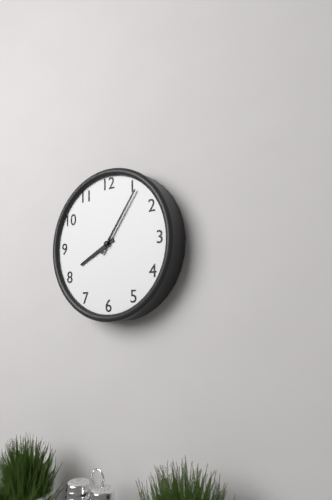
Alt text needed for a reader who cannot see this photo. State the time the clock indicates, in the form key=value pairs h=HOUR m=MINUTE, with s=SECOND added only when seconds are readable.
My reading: h=8 m=6
